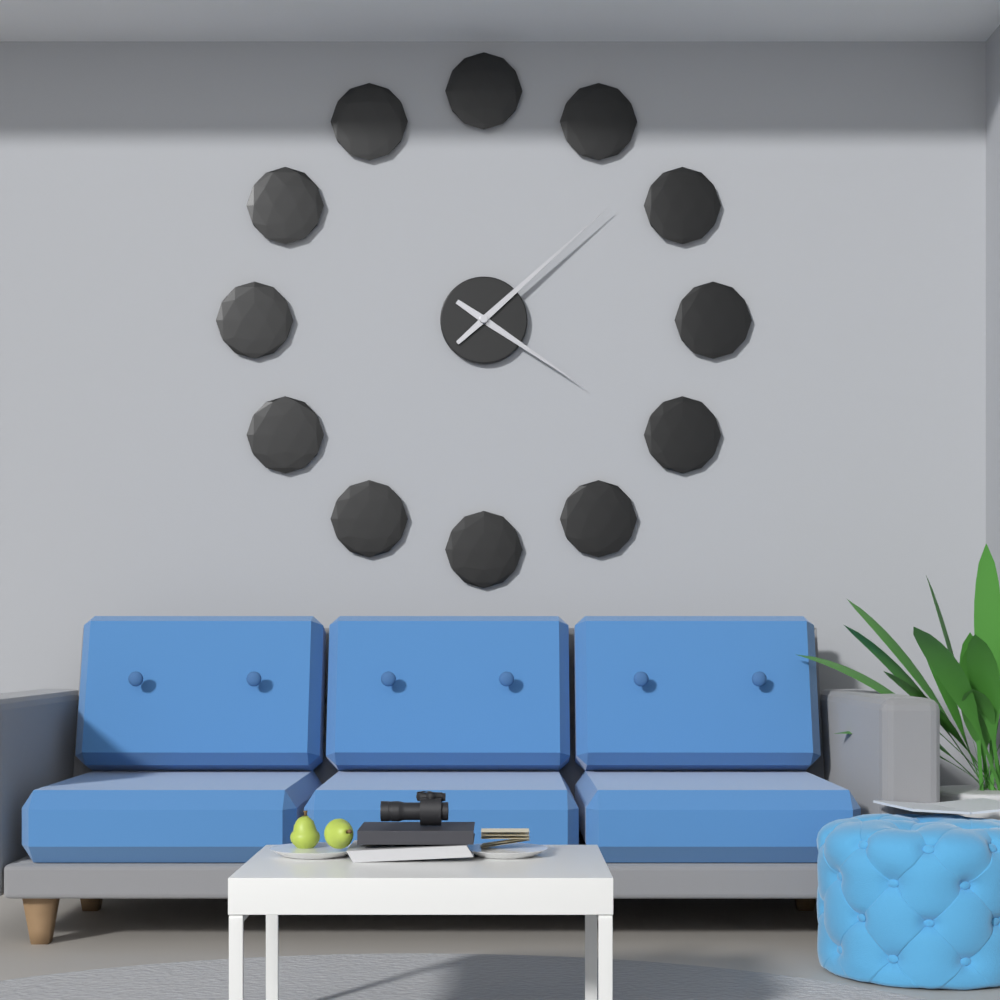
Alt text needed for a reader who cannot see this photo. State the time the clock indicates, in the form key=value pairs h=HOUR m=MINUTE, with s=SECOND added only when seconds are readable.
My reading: h=4 m=8
